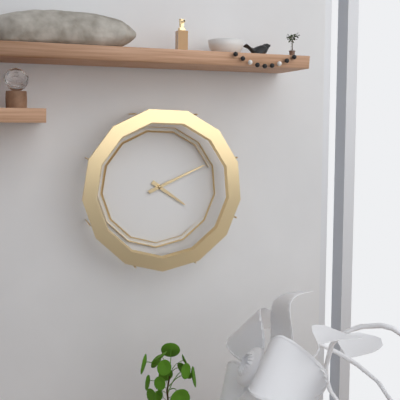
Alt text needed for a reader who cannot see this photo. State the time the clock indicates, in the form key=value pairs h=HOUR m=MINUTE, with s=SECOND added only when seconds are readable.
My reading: h=4 m=11
